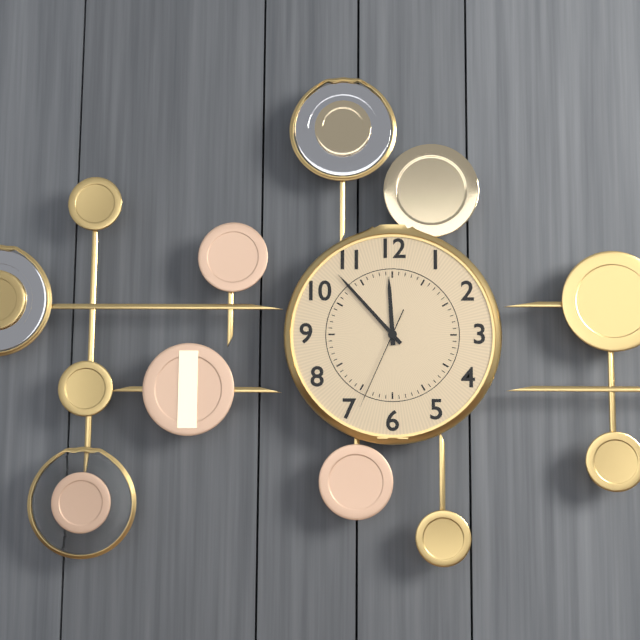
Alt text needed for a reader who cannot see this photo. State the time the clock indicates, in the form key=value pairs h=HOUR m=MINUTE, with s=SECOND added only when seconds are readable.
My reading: h=11 m=53 s=34
